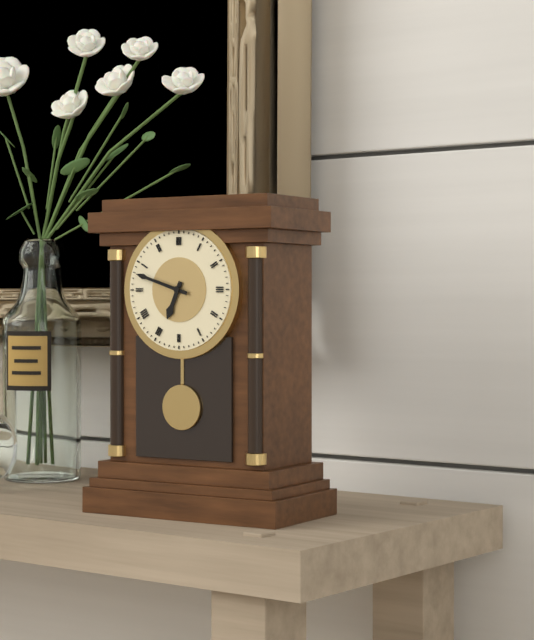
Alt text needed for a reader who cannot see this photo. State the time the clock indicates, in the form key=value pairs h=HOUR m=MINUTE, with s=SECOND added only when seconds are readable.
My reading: h=6 m=48
